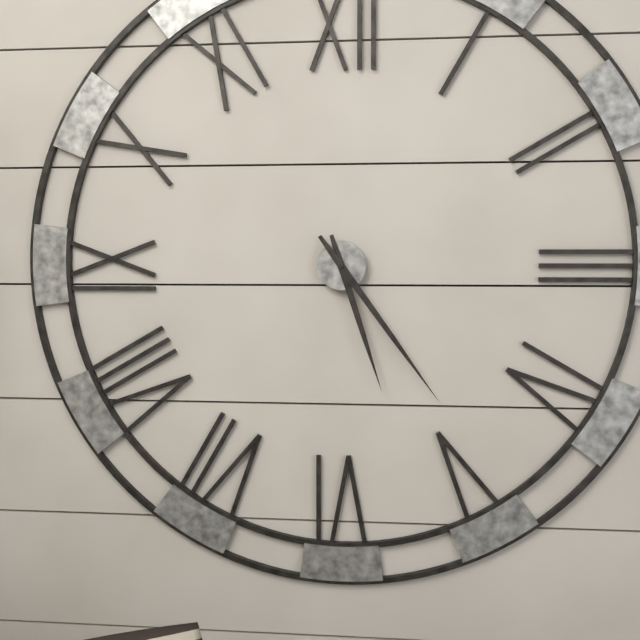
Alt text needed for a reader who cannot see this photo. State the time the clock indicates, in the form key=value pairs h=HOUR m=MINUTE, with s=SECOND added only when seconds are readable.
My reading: h=5 m=24
